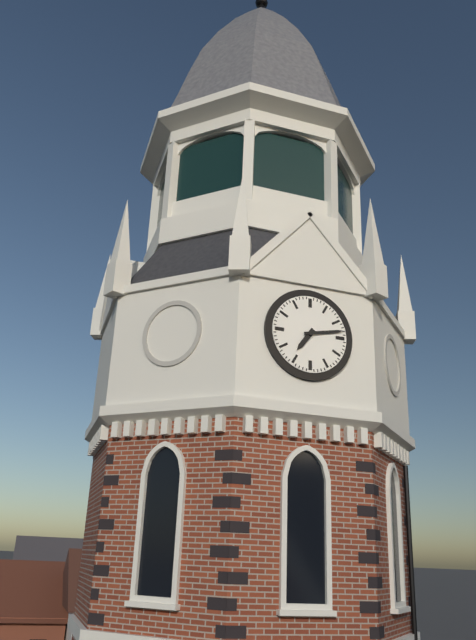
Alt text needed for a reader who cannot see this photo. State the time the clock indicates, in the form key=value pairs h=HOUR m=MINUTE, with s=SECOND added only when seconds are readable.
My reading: h=7 m=13
